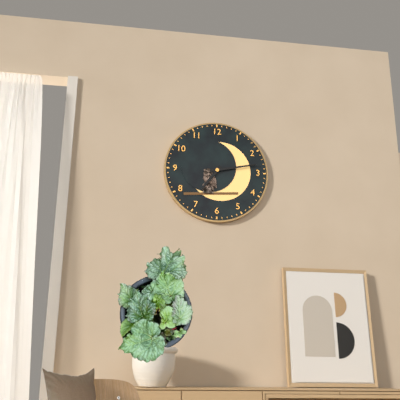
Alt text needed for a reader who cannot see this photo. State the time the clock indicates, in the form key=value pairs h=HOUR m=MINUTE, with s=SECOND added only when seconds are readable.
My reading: h=7 m=13
